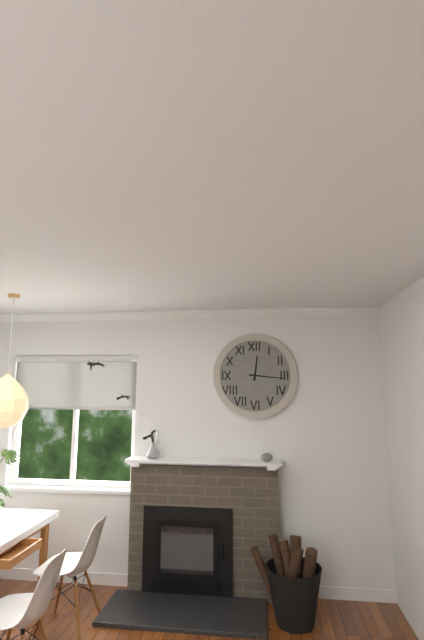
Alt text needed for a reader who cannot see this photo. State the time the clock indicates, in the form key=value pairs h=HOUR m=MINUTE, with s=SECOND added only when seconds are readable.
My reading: h=12 m=16
